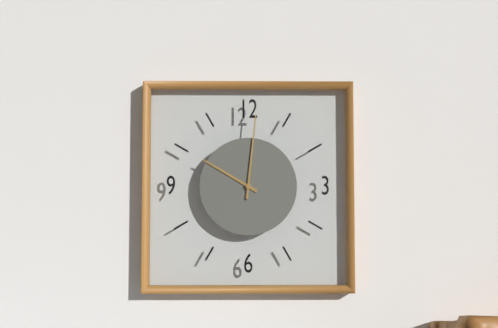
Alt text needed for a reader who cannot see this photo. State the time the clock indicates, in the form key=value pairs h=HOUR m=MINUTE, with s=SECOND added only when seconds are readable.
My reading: h=10 m=1
